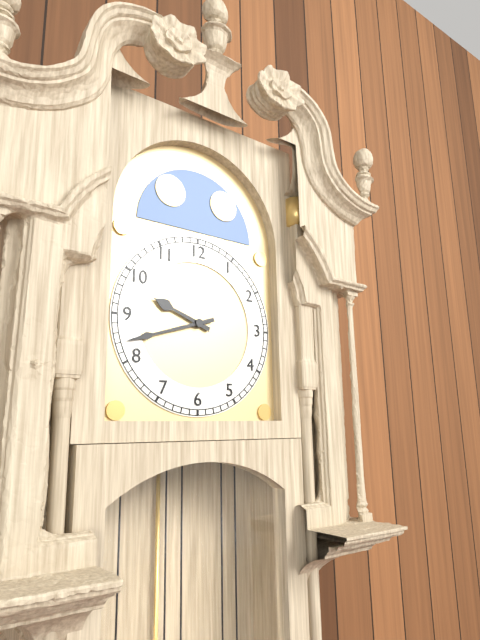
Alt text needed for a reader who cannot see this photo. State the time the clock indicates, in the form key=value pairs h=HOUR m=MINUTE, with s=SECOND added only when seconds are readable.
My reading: h=9 m=42
